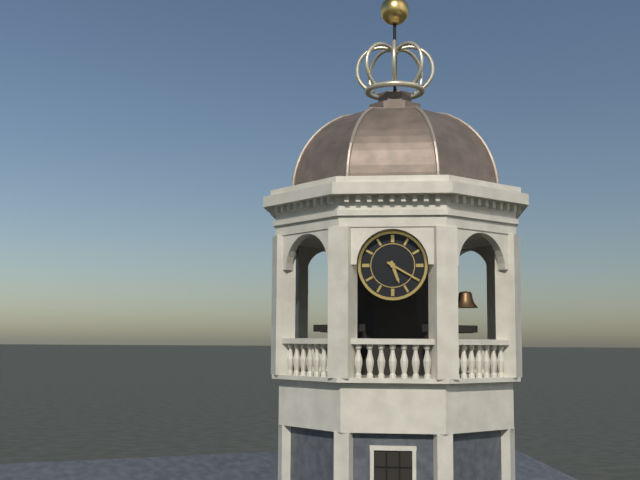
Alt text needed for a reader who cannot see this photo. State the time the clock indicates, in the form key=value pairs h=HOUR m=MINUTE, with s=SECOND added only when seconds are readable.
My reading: h=5 m=20
